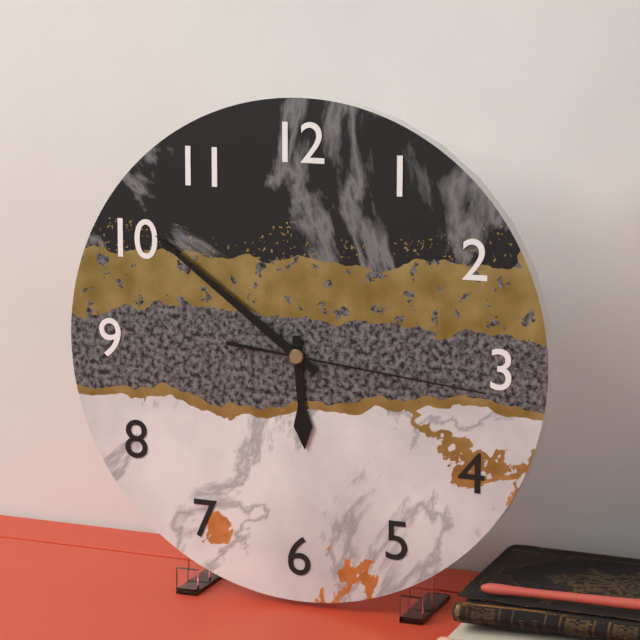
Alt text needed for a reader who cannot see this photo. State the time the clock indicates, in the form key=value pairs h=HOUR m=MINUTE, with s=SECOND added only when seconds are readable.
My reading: h=5 m=51 s=16
